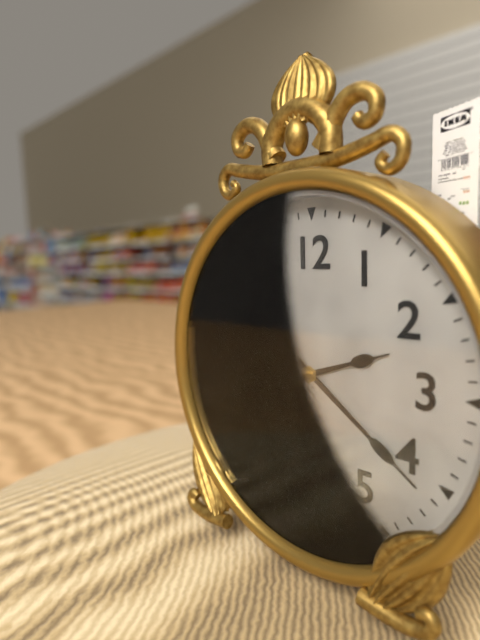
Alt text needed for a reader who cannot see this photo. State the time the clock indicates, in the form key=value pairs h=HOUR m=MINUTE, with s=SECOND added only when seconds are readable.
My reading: h=2 m=21
